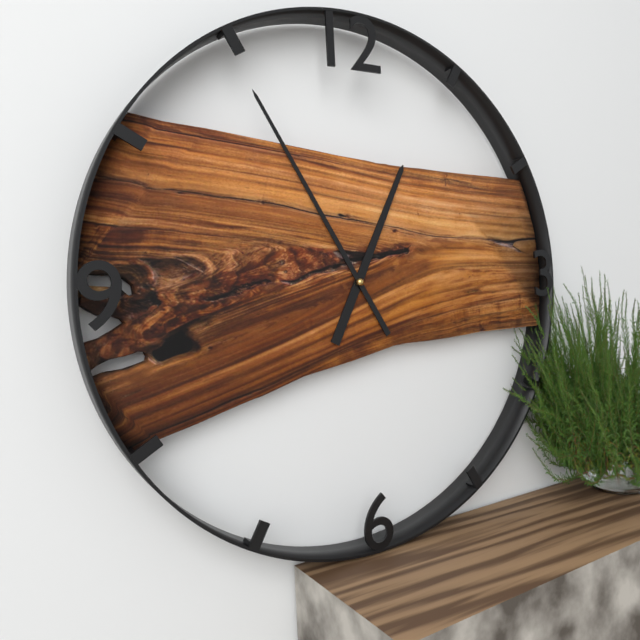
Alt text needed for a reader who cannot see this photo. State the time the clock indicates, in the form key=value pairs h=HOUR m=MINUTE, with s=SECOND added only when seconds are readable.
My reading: h=12 m=55
